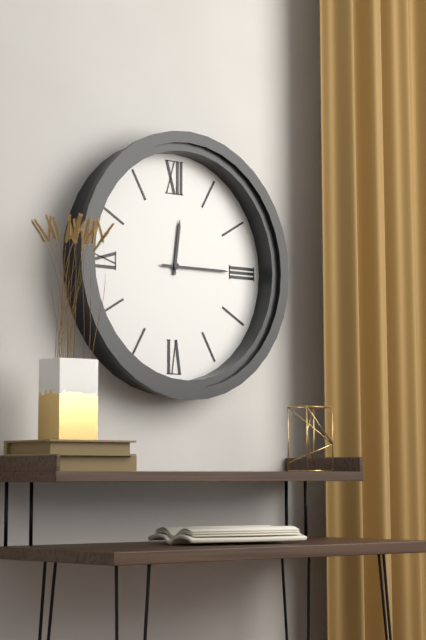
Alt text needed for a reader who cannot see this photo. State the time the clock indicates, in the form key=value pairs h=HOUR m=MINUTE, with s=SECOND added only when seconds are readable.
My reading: h=12 m=15
